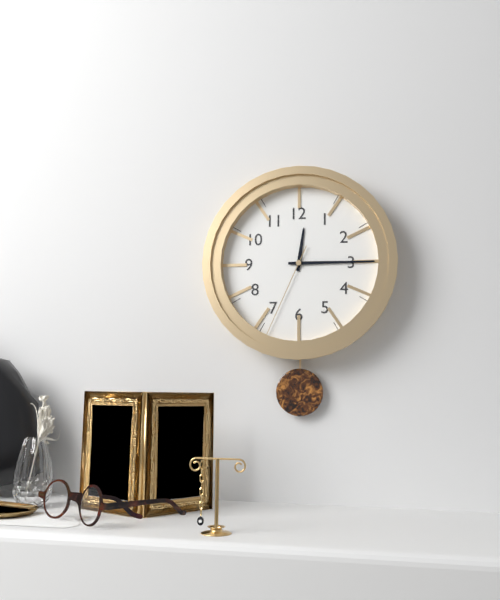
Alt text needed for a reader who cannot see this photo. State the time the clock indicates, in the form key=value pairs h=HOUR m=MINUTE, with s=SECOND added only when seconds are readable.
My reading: h=12 m=15 s=34
